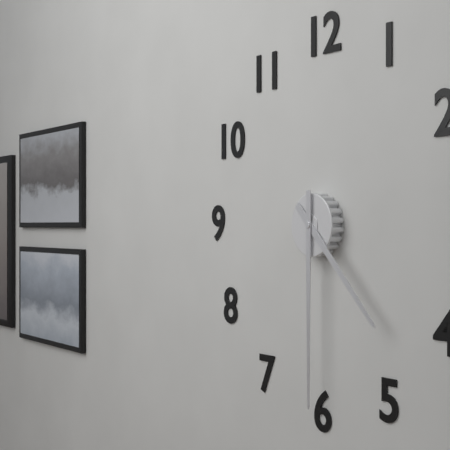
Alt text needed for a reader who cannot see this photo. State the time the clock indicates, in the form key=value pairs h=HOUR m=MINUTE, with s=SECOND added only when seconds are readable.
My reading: h=4 m=30
